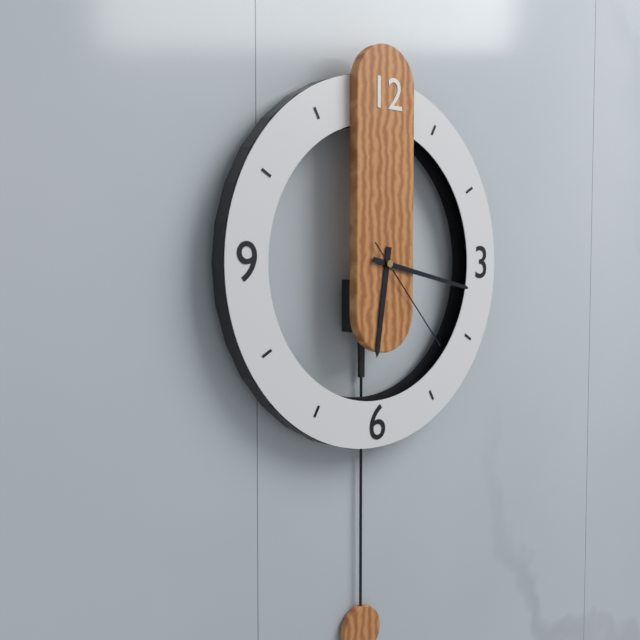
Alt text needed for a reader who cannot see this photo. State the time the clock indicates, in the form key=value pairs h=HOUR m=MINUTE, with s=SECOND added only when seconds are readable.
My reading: h=6 m=17 s=23
